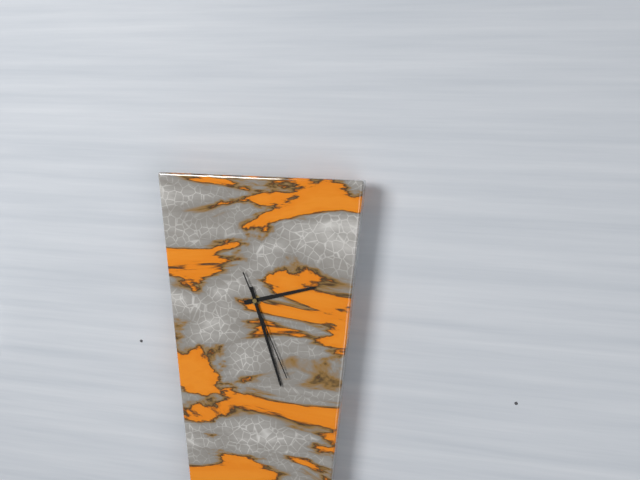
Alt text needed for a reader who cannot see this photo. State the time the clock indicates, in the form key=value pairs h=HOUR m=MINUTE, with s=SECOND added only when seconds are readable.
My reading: h=2 m=27 s=26
